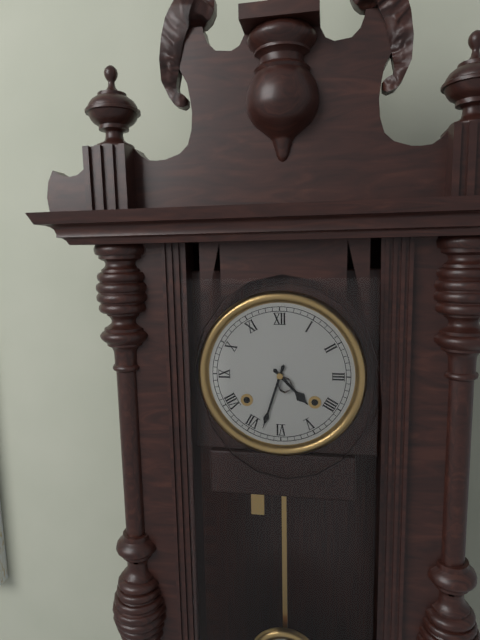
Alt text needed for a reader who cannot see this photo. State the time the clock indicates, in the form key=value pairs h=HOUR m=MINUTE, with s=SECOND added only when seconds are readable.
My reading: h=4 m=33
